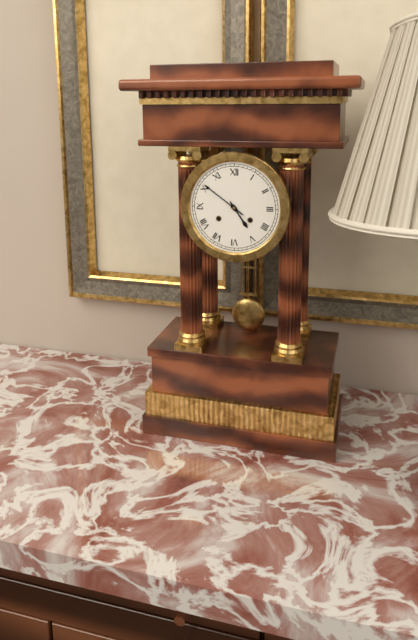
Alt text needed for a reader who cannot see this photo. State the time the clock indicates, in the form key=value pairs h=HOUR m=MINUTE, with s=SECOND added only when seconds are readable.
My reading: h=4 m=51
